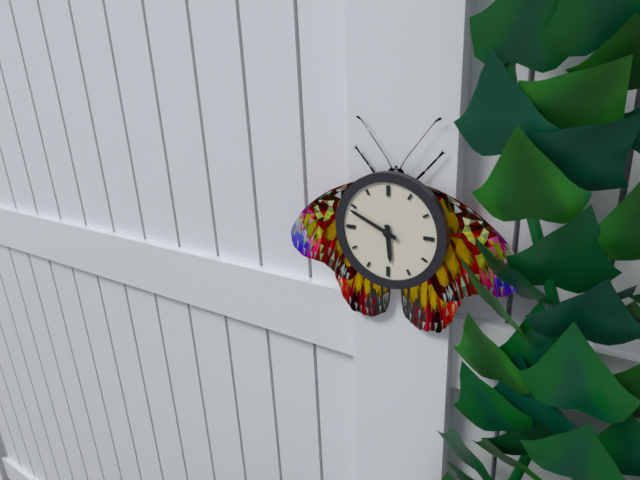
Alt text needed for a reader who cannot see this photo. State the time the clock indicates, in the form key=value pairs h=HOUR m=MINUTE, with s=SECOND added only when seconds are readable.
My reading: h=5 m=49
